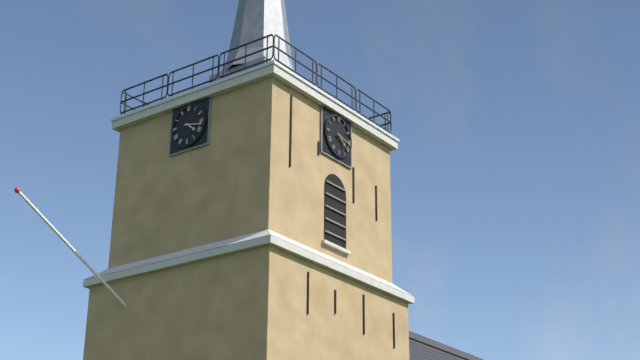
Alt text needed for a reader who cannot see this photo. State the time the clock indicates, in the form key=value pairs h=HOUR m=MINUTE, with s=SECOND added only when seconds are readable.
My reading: h=4 m=17
